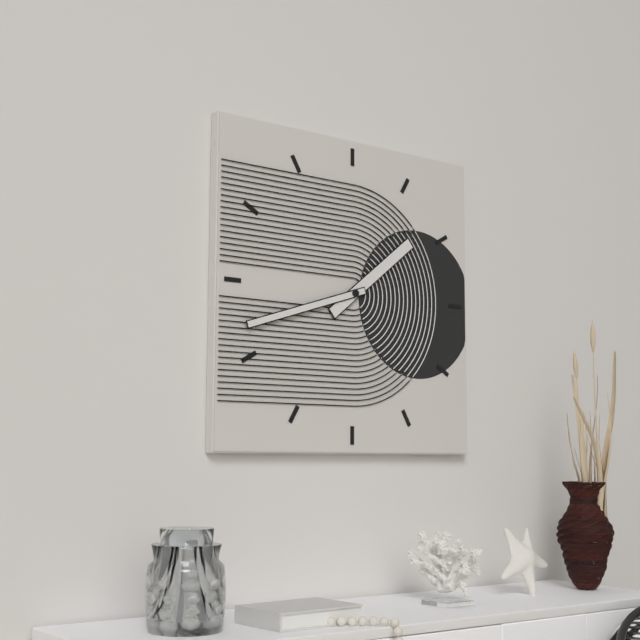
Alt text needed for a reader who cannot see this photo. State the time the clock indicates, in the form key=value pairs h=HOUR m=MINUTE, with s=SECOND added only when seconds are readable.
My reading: h=1 m=42
